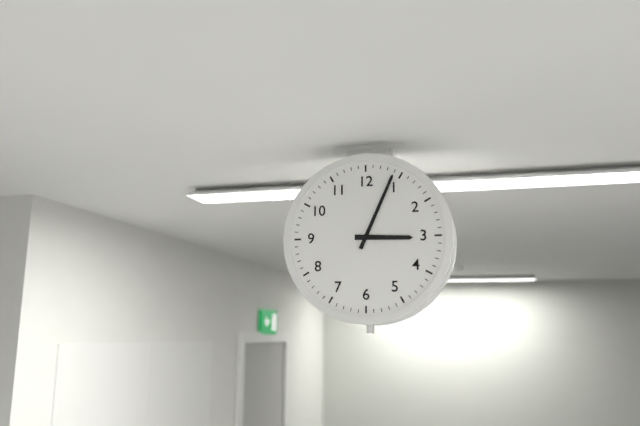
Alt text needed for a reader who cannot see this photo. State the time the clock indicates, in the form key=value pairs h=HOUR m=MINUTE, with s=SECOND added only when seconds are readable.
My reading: h=3 m=4
